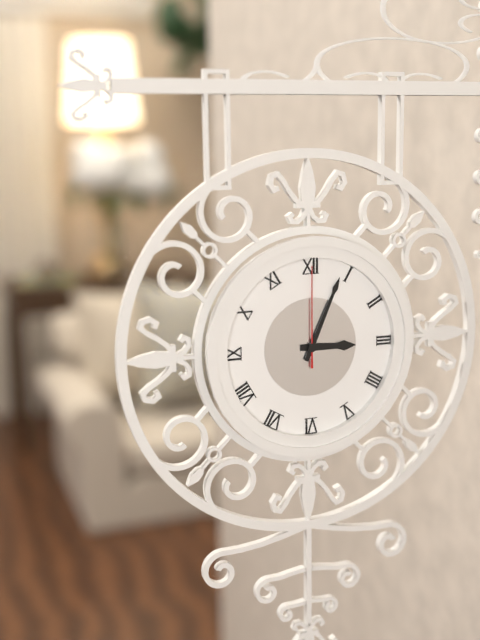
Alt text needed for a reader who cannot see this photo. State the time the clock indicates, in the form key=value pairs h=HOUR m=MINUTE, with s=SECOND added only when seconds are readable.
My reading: h=3 m=4 s=0
